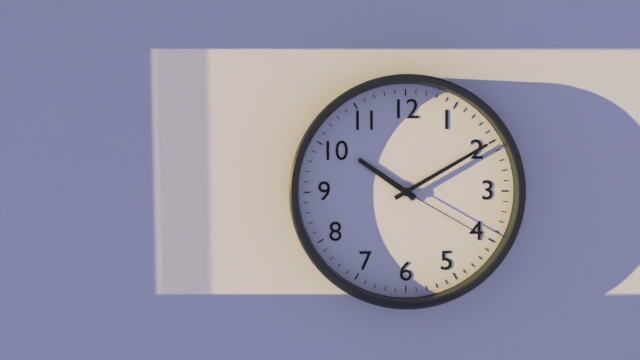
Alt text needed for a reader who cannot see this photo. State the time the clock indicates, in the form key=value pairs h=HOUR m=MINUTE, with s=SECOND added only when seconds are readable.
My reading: h=10 m=10 s=20
